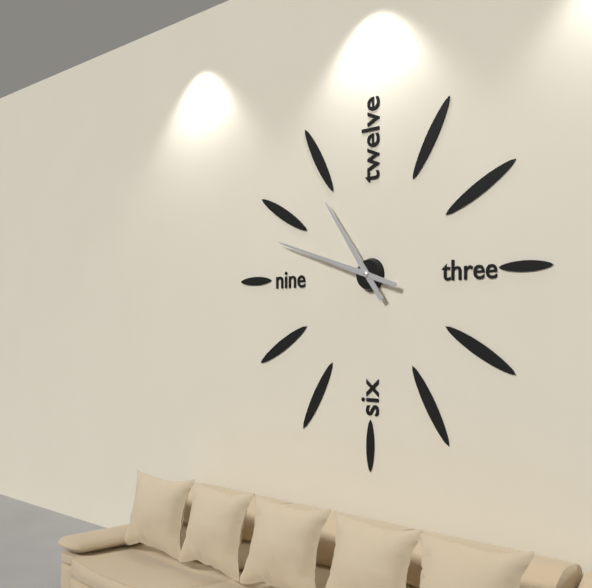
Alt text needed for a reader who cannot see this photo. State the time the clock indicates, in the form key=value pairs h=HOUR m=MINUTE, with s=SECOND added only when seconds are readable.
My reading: h=10 m=48
